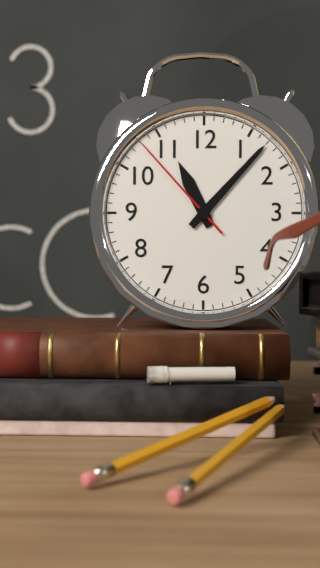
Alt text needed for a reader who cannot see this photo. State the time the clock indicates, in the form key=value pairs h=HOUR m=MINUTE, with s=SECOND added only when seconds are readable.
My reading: h=11 m=7 s=53
